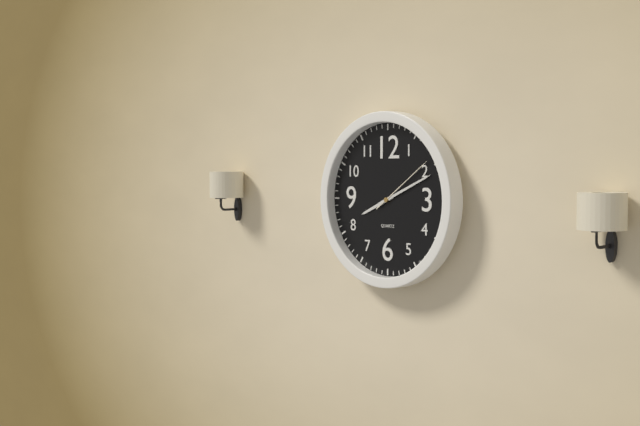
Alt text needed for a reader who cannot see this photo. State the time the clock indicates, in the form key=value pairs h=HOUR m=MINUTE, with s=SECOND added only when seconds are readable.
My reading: h=8 m=11 s=9
